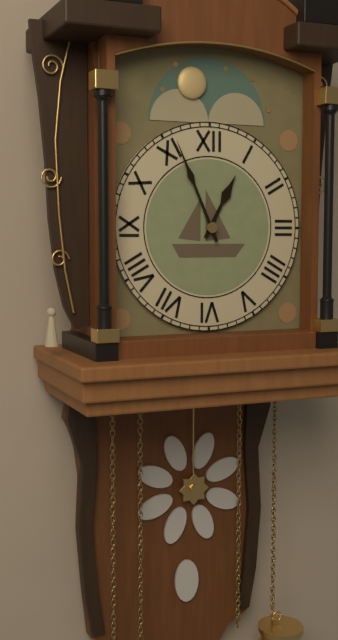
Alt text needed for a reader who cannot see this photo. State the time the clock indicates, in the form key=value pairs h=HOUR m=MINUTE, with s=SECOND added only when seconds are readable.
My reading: h=12 m=56
